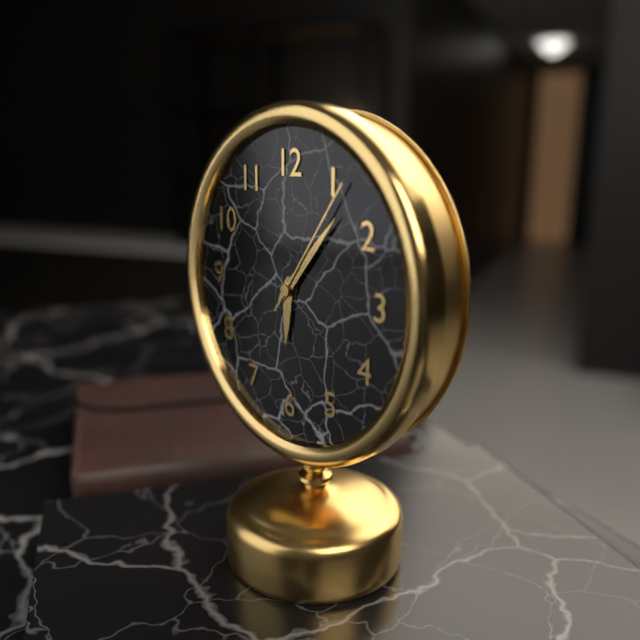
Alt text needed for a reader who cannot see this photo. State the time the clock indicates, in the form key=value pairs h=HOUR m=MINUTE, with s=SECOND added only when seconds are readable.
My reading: h=6 m=7 s=6
